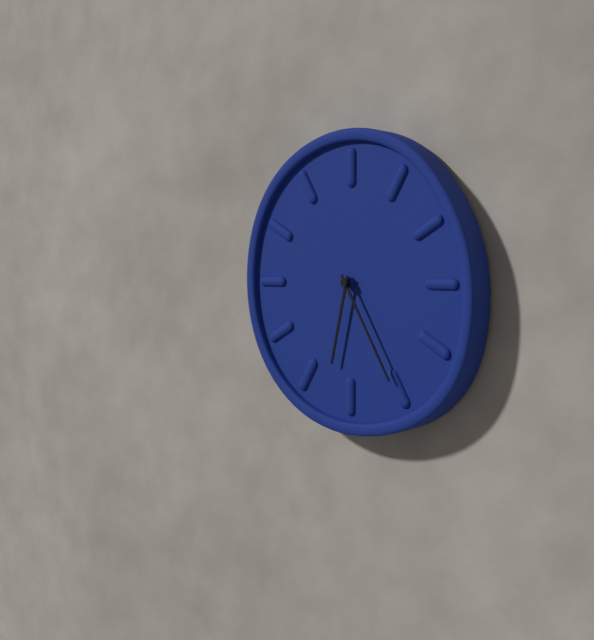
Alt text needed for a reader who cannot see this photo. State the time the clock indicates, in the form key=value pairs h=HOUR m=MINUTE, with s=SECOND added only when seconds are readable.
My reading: h=6 m=25
